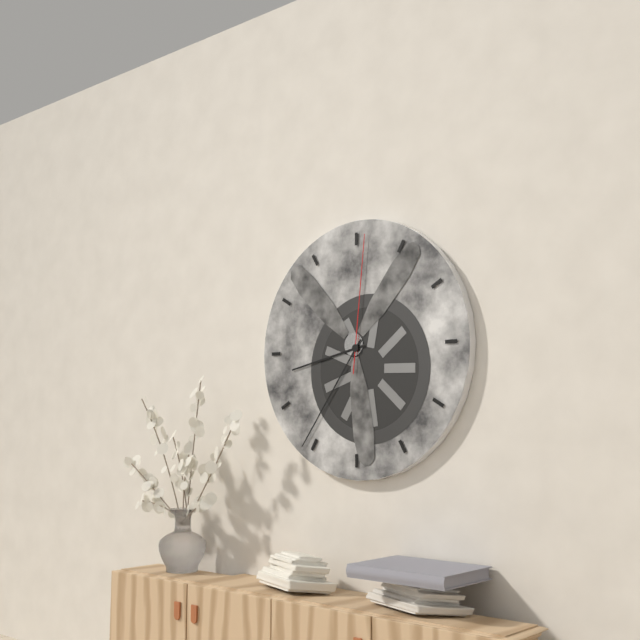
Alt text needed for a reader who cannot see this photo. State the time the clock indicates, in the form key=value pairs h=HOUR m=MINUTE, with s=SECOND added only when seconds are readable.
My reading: h=8 m=36 s=1
